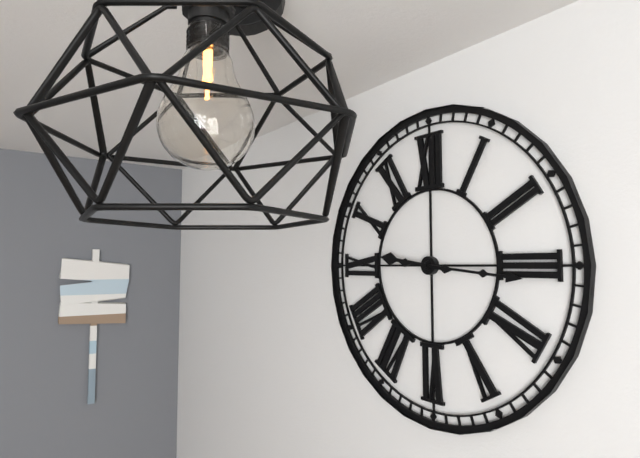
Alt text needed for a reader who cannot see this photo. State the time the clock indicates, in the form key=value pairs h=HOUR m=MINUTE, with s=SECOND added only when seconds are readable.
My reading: h=9 m=16
